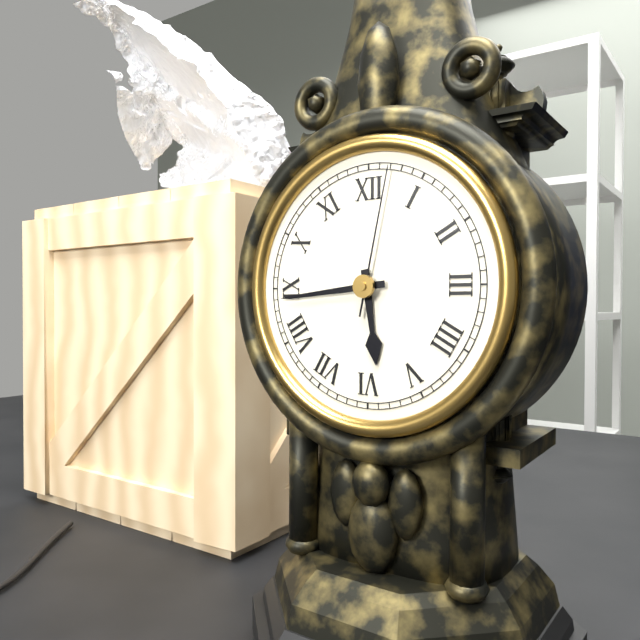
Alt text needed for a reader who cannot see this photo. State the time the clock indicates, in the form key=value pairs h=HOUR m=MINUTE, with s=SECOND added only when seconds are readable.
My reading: h=5 m=44 s=2
